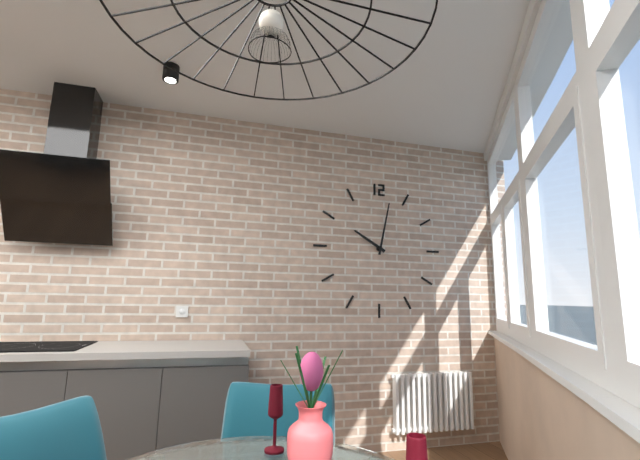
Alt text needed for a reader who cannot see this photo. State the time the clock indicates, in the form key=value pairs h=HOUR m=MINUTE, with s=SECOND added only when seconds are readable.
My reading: h=10 m=2
